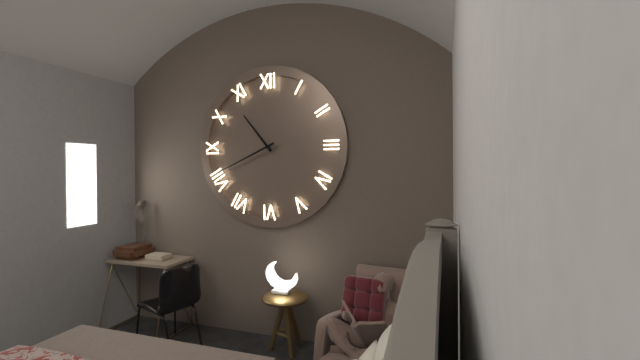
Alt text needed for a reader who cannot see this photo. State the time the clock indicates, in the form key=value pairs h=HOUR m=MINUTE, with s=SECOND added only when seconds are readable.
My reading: h=10 m=41
